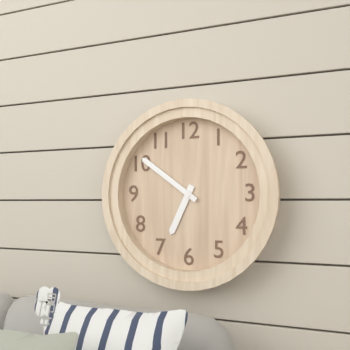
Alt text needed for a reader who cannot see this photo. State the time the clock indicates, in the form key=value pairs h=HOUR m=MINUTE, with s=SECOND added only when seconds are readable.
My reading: h=6 m=51
